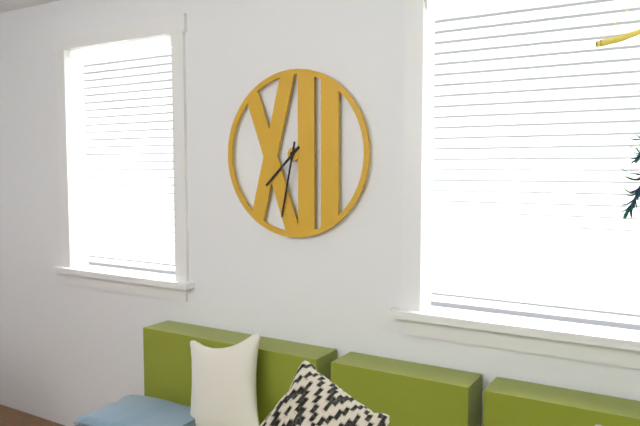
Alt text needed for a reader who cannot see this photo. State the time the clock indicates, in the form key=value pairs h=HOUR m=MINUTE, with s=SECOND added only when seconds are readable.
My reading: h=7 m=32
